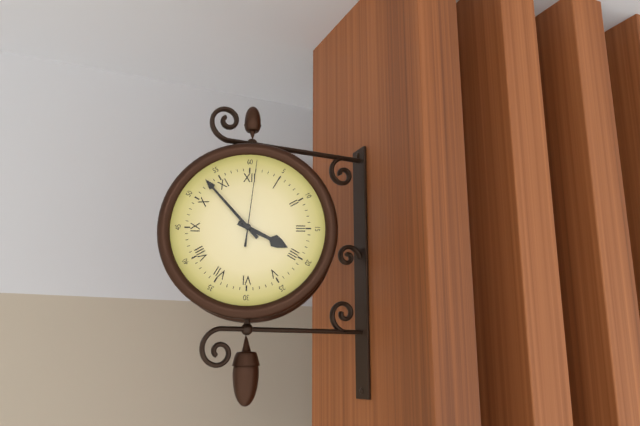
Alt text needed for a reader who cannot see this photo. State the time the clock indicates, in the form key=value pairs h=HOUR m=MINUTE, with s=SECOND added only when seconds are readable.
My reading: h=3 m=53 s=1
